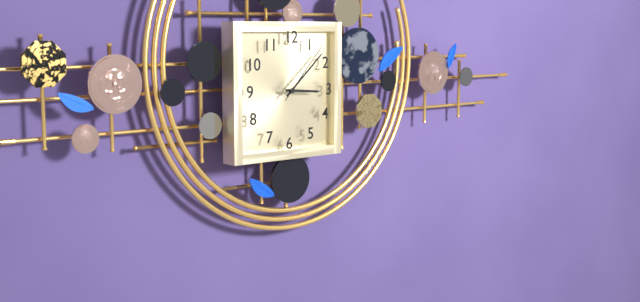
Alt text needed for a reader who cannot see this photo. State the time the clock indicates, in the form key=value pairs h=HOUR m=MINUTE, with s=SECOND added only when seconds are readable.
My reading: h=3 m=8 s=7
